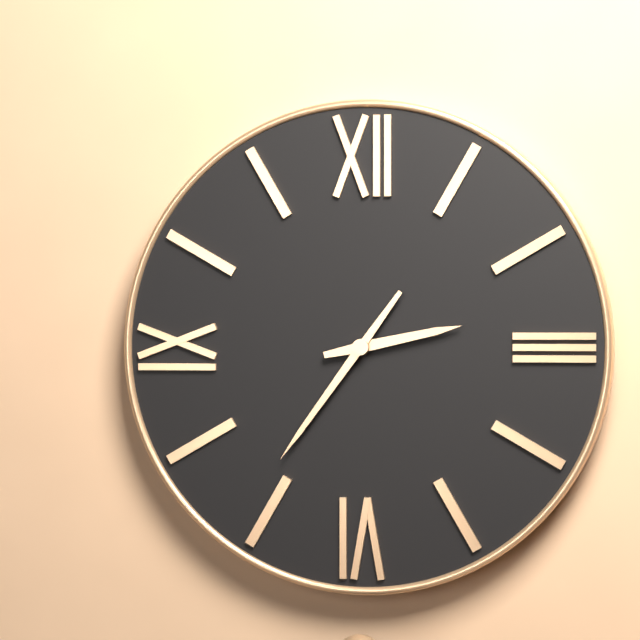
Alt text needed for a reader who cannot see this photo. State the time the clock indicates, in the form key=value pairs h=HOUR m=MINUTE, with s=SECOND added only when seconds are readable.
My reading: h=2 m=36
